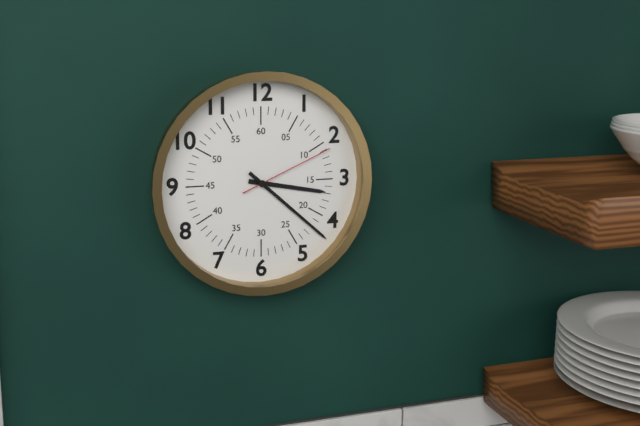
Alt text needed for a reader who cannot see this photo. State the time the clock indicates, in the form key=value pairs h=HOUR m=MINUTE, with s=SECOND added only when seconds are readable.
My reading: h=3 m=22 s=11
